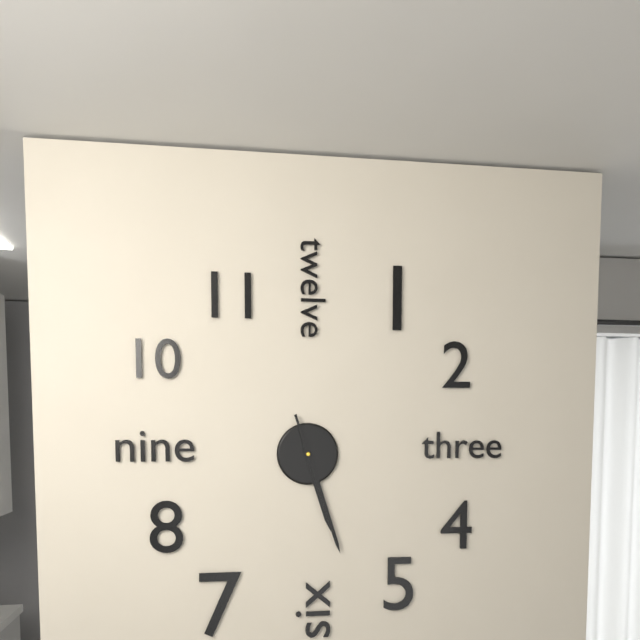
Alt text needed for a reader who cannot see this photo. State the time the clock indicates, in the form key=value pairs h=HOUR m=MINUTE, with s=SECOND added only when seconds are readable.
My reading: h=5 m=27 s=27
